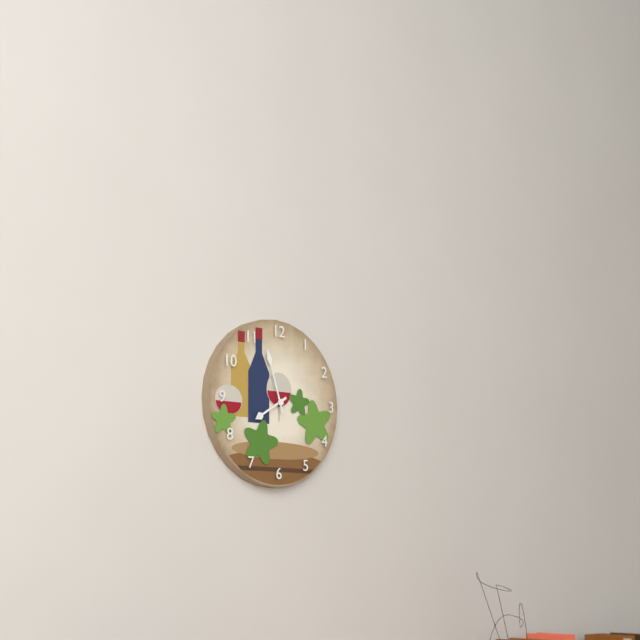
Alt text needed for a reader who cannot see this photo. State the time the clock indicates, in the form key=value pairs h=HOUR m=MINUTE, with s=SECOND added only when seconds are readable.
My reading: h=7 m=57
